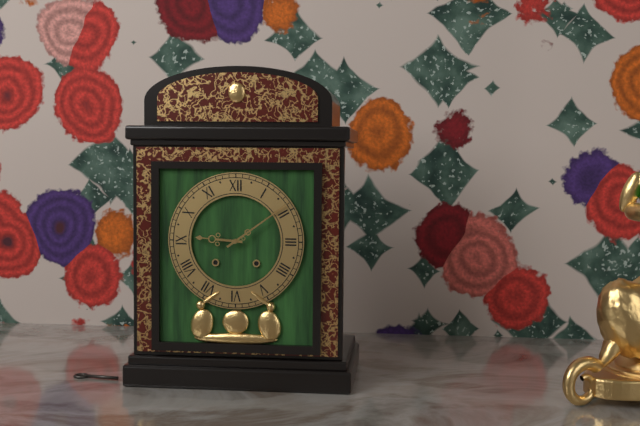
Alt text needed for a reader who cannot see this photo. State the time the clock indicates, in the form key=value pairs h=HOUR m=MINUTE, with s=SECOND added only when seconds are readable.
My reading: h=9 m=9
